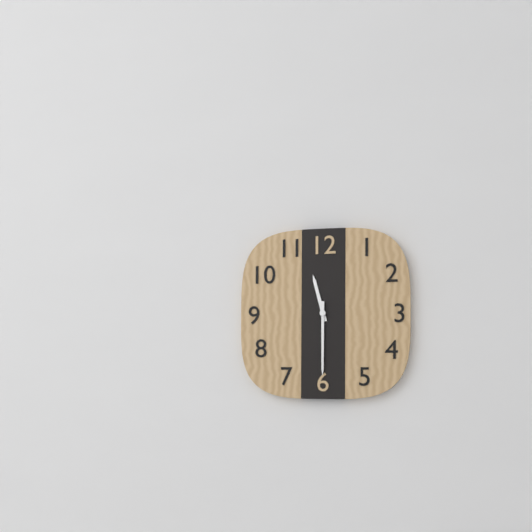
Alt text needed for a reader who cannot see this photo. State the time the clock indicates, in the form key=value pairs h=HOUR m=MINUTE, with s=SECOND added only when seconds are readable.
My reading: h=11 m=30
